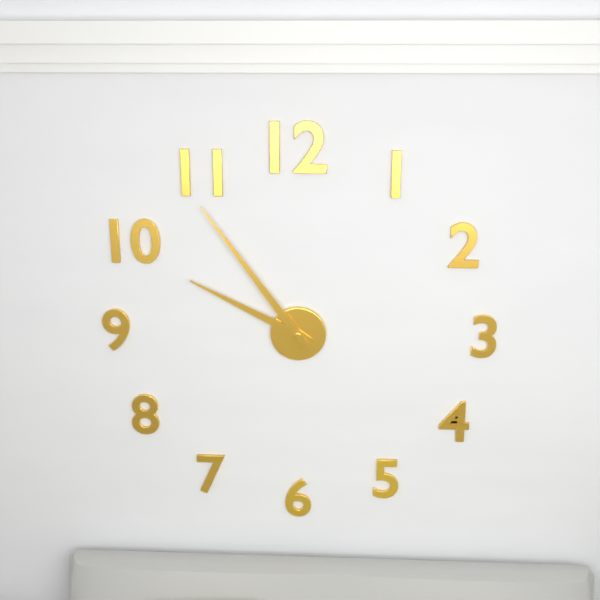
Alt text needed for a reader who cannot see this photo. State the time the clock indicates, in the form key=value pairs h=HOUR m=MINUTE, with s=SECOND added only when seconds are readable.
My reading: h=9 m=54
